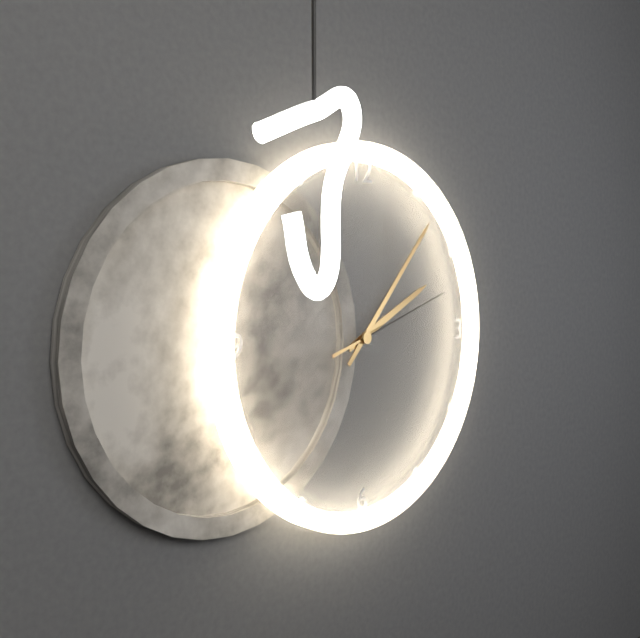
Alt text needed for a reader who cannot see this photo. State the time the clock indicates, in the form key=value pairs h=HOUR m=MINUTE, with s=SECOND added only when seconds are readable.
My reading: h=2 m=7 s=12
